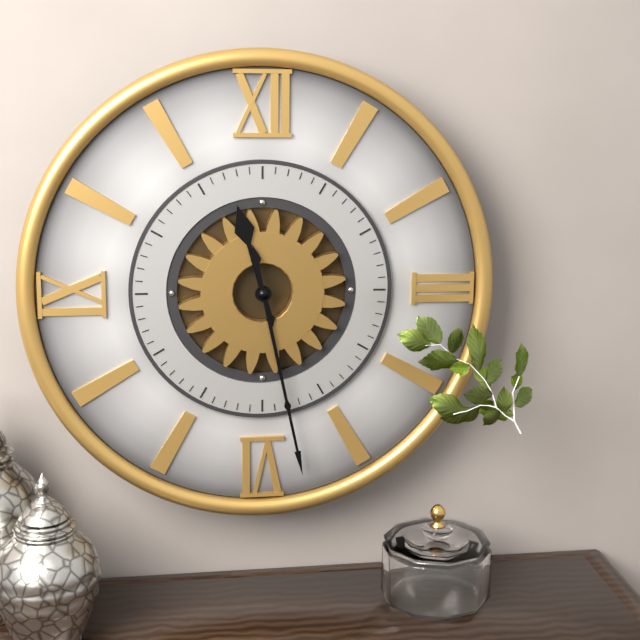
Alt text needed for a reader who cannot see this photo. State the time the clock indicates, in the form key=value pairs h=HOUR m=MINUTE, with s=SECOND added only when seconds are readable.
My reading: h=11 m=28
